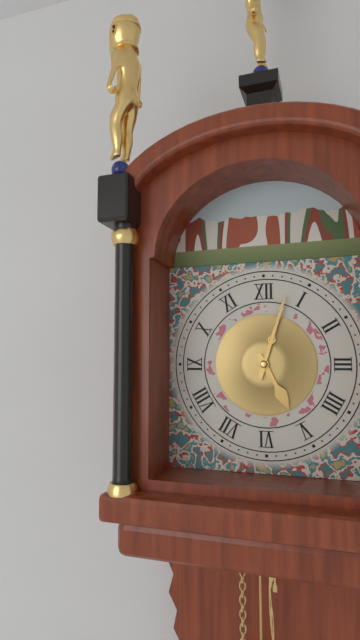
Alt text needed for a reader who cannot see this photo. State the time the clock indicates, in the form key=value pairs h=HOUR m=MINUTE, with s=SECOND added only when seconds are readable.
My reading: h=5 m=3
